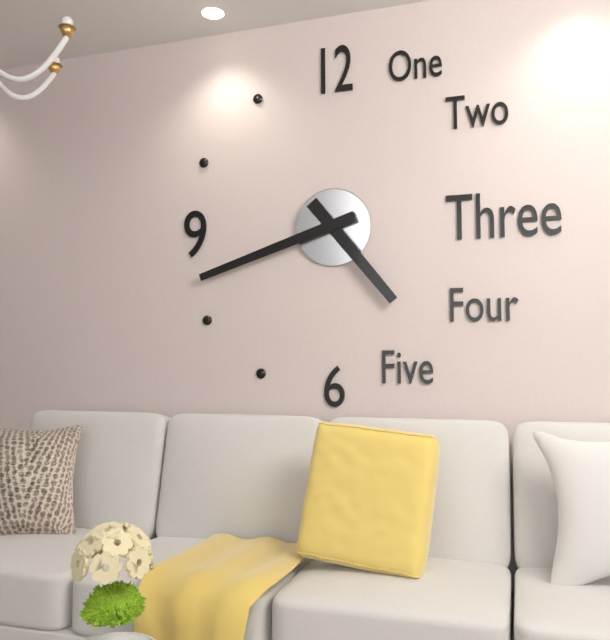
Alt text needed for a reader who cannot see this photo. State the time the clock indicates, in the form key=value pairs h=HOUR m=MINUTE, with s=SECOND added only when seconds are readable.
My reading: h=4 m=42
